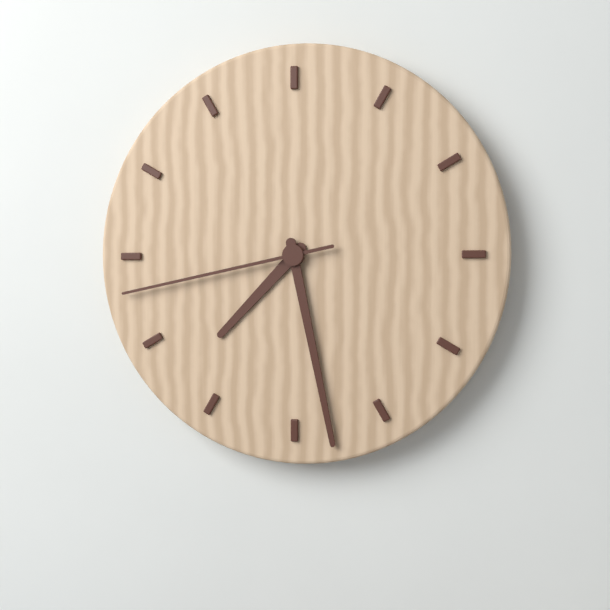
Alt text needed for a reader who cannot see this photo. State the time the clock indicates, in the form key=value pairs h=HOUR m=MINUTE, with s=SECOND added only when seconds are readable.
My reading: h=7 m=28 s=43
